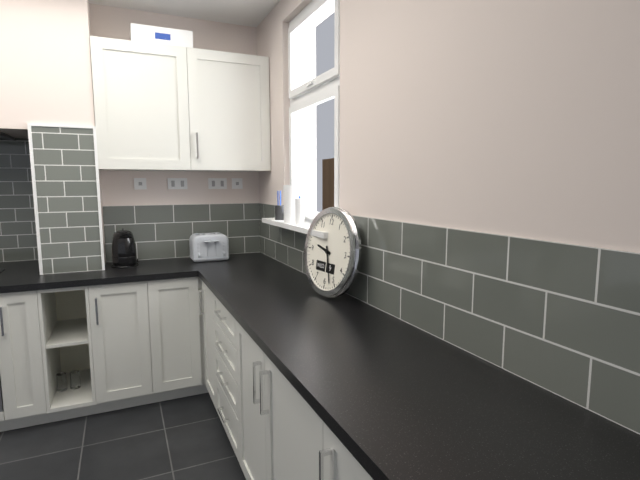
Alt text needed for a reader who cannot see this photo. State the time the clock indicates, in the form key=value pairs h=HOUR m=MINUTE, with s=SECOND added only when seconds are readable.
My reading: h=9 m=27
